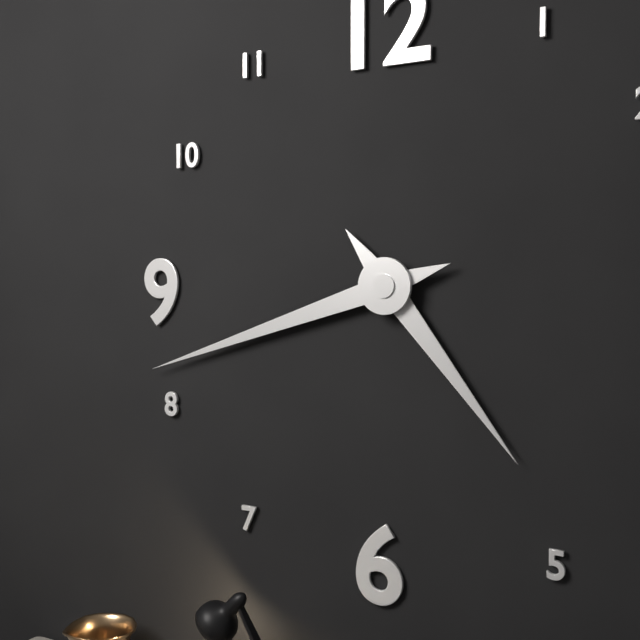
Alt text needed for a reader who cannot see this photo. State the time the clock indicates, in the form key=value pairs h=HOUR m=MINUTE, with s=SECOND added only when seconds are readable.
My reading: h=4 m=42
